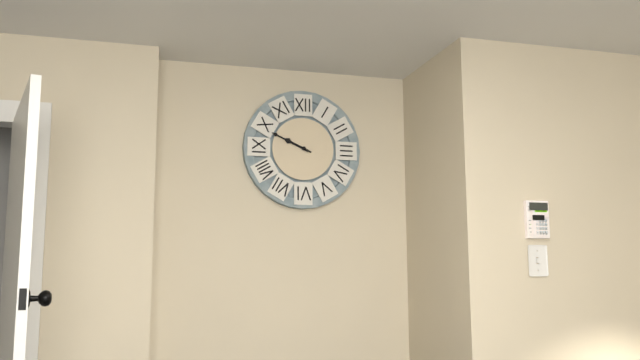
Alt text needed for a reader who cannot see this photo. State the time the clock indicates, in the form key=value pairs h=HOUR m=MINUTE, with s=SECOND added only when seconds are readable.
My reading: h=9 m=49
